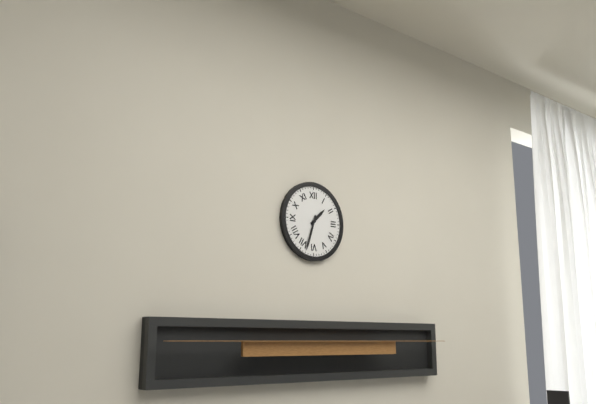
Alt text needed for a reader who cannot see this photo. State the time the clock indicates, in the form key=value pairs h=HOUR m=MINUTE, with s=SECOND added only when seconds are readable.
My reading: h=1 m=33
